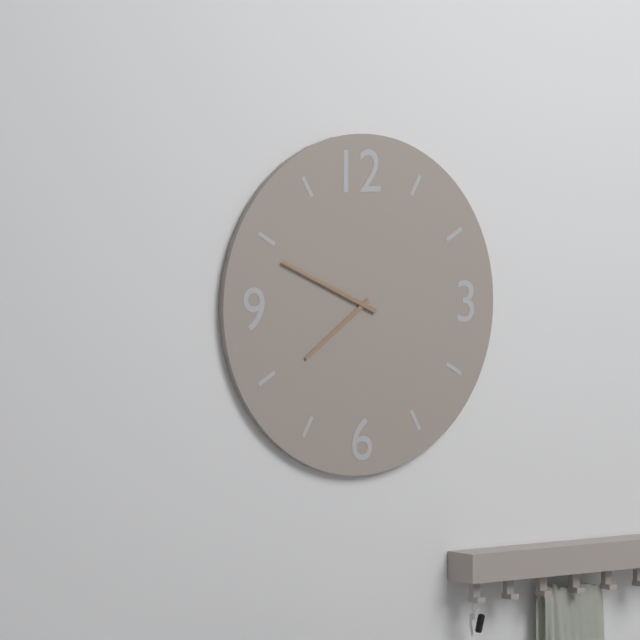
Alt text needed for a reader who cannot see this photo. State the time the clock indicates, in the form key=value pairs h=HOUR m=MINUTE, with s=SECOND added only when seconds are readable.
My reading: h=7 m=49
